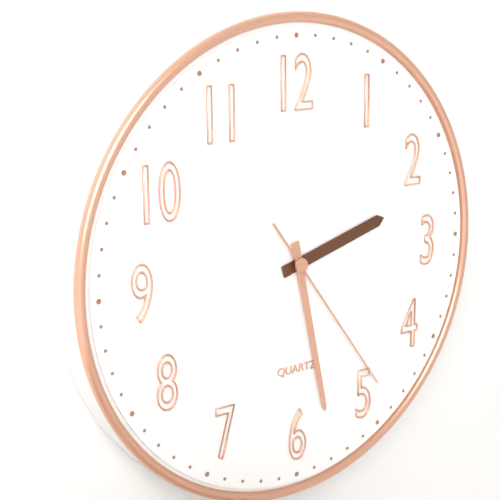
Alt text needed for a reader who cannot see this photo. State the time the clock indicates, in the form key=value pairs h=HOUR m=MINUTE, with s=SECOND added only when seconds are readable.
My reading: h=2 m=28 s=24
